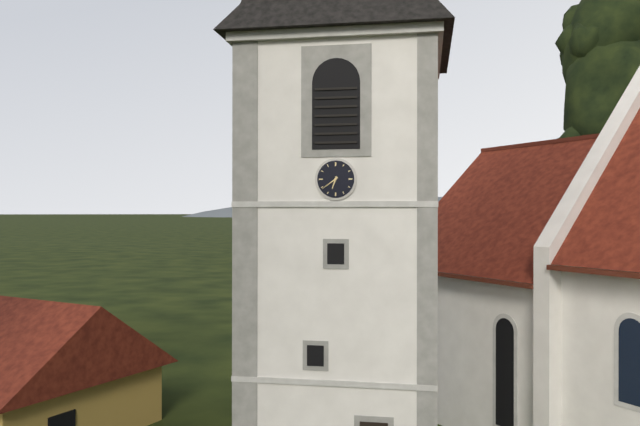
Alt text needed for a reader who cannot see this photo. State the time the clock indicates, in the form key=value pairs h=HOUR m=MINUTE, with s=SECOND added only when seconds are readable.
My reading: h=6 m=39
